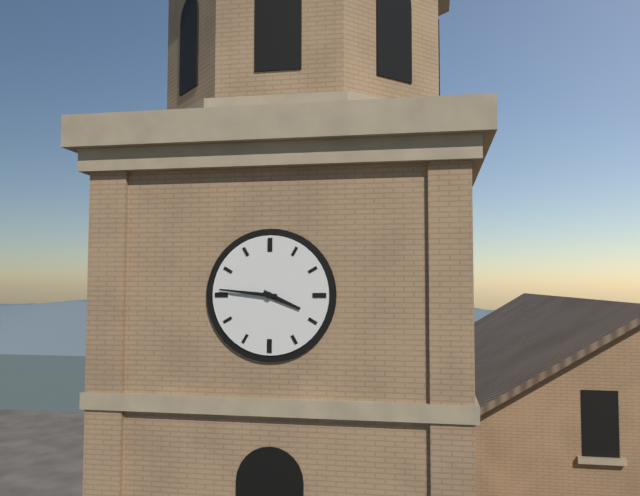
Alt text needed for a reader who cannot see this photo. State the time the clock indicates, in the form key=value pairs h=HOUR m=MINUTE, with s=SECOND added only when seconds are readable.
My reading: h=3 m=46
